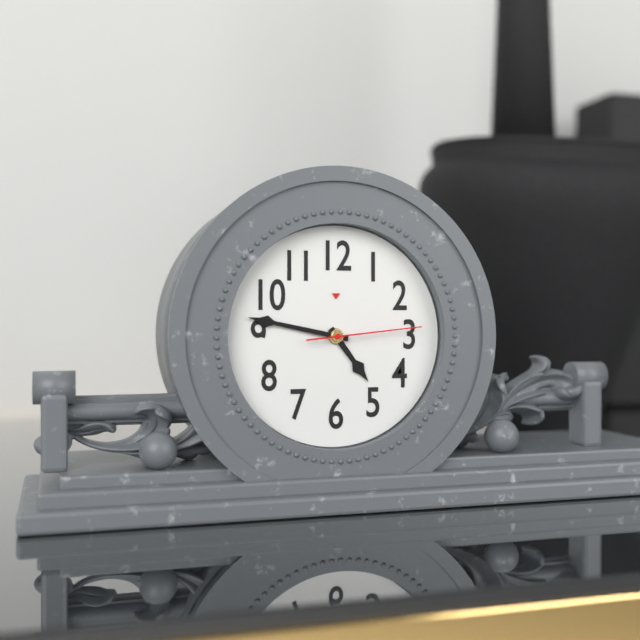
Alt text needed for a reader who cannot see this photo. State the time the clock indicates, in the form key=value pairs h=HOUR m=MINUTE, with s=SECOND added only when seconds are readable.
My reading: h=4 m=47 s=14
